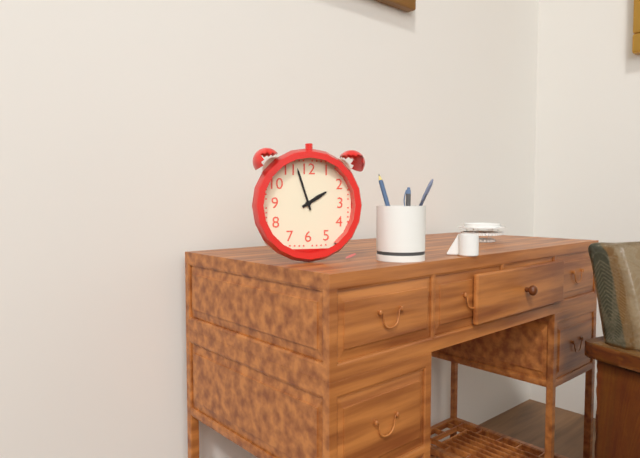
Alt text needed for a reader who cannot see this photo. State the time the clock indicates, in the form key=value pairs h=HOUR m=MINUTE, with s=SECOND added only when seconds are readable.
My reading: h=1 m=57
